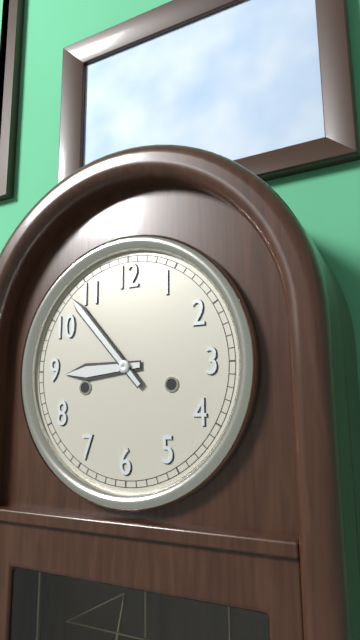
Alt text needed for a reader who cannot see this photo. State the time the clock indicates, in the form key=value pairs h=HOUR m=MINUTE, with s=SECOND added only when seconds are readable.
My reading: h=8 m=53
